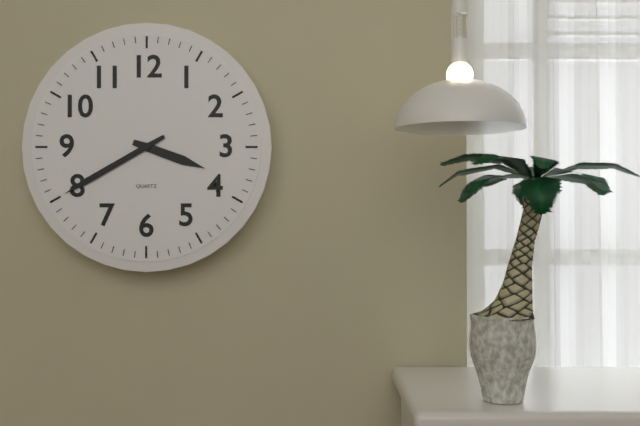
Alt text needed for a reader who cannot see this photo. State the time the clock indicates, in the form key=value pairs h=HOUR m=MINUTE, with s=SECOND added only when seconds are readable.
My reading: h=3 m=40
